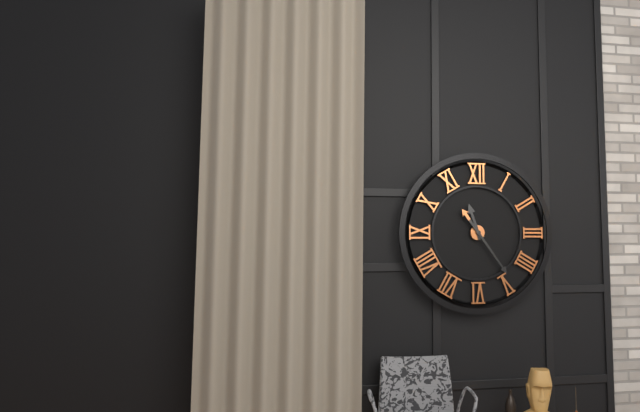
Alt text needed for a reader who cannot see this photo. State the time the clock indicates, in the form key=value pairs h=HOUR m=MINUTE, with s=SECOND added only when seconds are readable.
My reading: h=11 m=24
